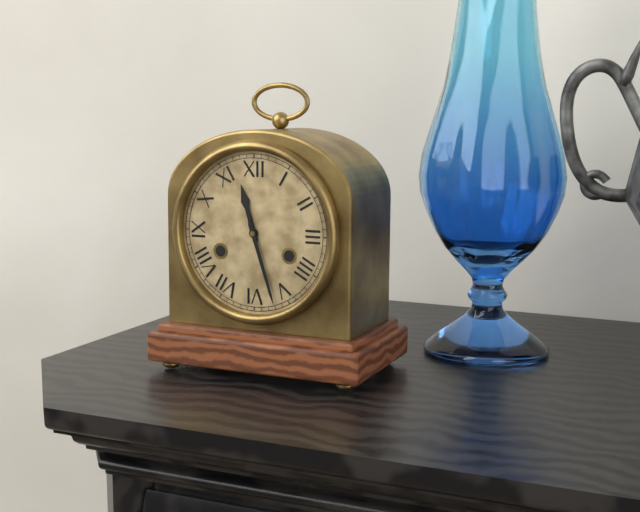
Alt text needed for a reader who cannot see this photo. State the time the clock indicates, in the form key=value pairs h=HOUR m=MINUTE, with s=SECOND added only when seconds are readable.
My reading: h=11 m=27
